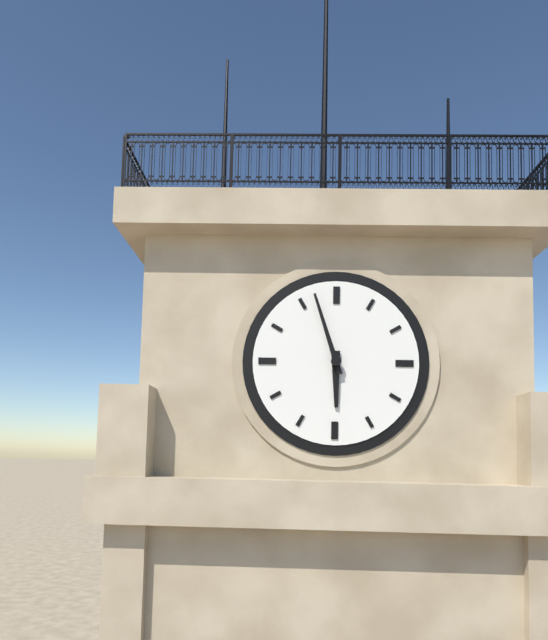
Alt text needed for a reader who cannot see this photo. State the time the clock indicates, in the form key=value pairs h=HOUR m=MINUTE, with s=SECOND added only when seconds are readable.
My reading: h=5 m=57
